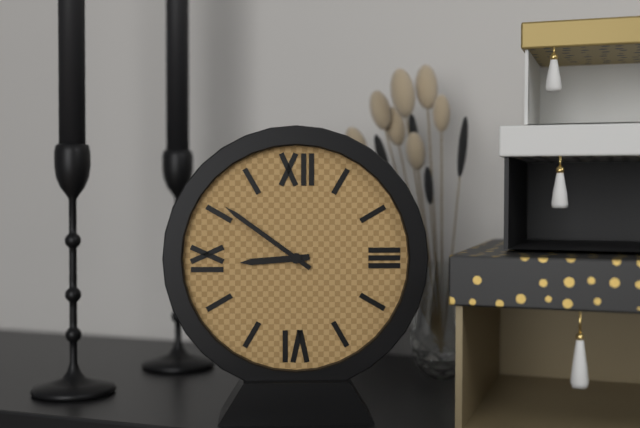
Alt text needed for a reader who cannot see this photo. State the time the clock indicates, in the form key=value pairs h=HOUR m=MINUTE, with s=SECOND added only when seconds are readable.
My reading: h=8 m=51
